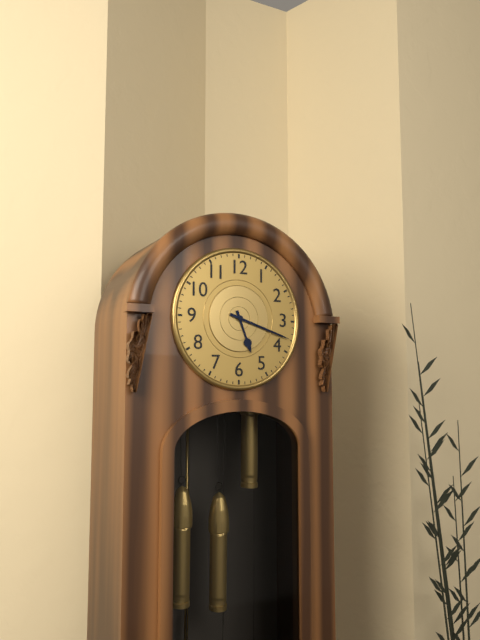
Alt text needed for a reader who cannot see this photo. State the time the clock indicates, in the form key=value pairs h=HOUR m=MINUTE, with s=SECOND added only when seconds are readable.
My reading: h=5 m=18
